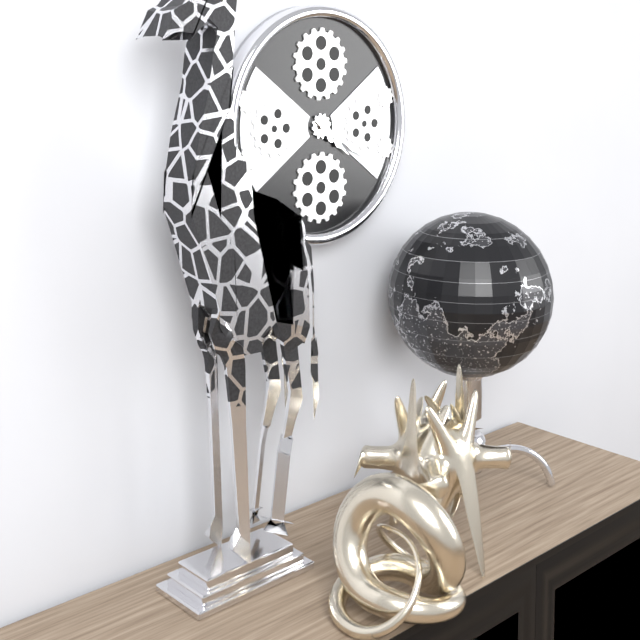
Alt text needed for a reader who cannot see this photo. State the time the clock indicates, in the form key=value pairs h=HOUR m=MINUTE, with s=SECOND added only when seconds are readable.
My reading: h=4 m=20
